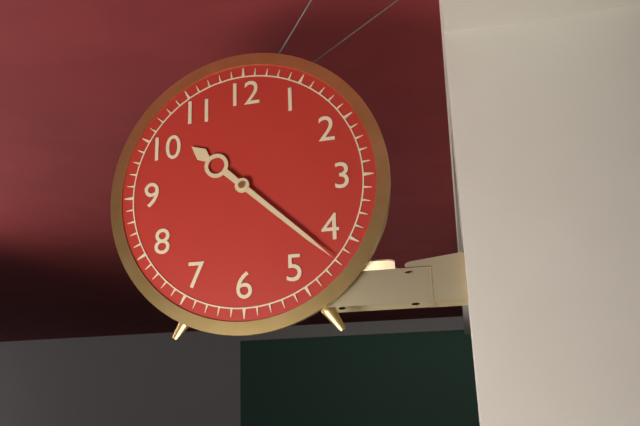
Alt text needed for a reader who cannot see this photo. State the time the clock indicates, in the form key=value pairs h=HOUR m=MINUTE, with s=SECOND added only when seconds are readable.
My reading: h=10 m=22
